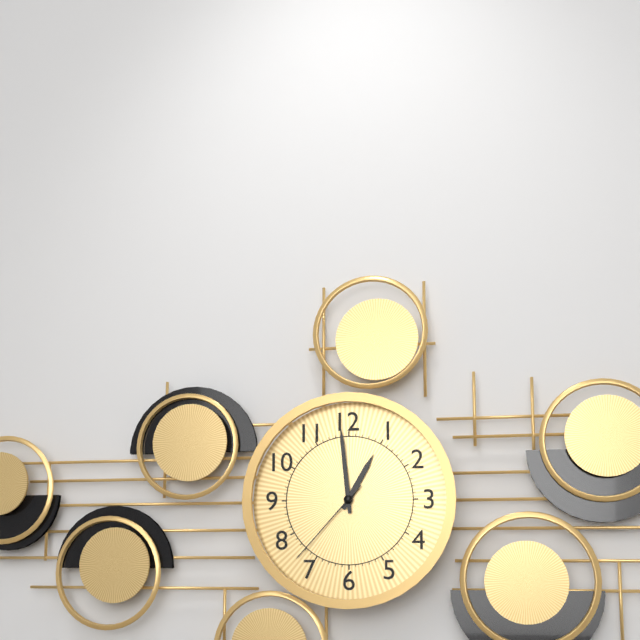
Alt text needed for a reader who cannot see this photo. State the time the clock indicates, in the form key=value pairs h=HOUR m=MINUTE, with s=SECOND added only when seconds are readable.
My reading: h=12 m=59 s=37
